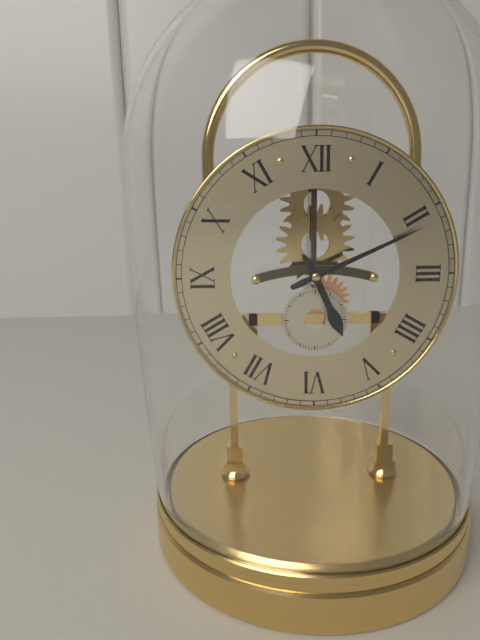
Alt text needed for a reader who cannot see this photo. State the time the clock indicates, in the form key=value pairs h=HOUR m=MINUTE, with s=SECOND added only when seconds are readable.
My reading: h=5 m=11
